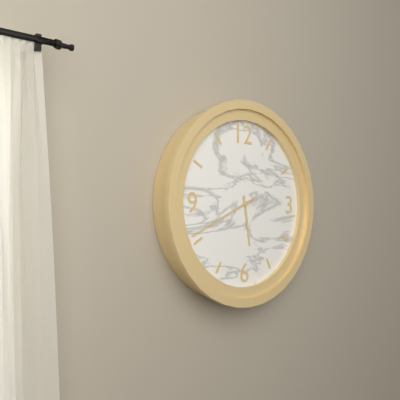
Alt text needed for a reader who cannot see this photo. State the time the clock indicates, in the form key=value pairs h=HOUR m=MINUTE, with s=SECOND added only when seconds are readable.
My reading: h=5 m=41
